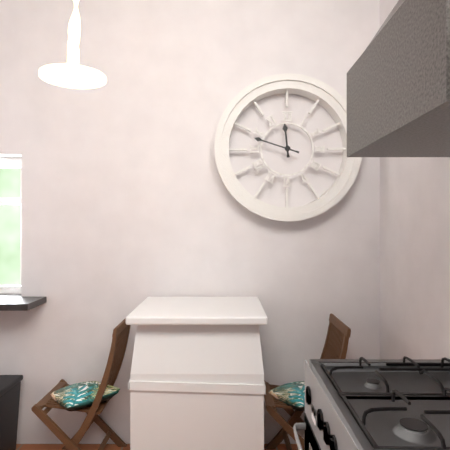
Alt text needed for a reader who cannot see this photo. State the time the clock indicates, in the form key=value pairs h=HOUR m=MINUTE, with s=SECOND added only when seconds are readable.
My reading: h=11 m=48
